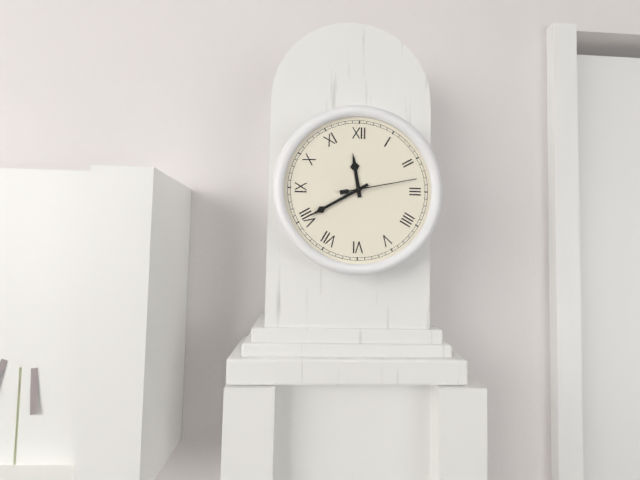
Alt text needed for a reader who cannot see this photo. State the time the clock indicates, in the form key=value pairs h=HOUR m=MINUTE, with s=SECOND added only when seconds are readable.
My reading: h=11 m=40 s=13
